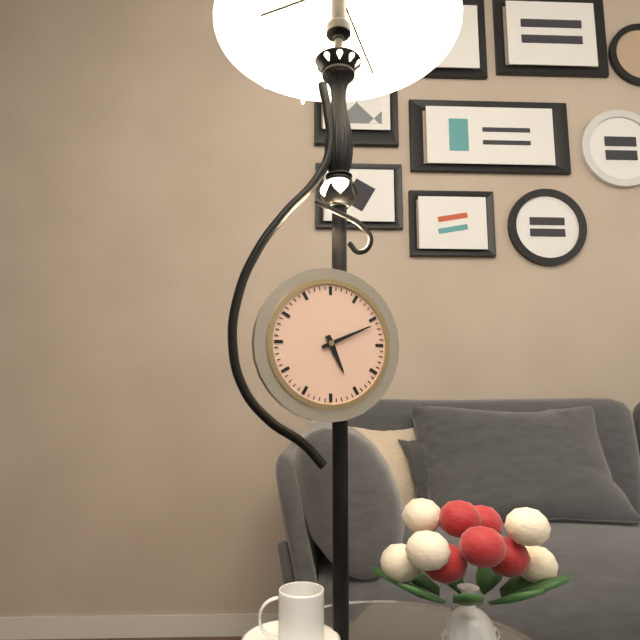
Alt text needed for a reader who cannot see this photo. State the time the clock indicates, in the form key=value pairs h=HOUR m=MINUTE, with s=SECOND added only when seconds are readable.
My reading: h=5 m=11
